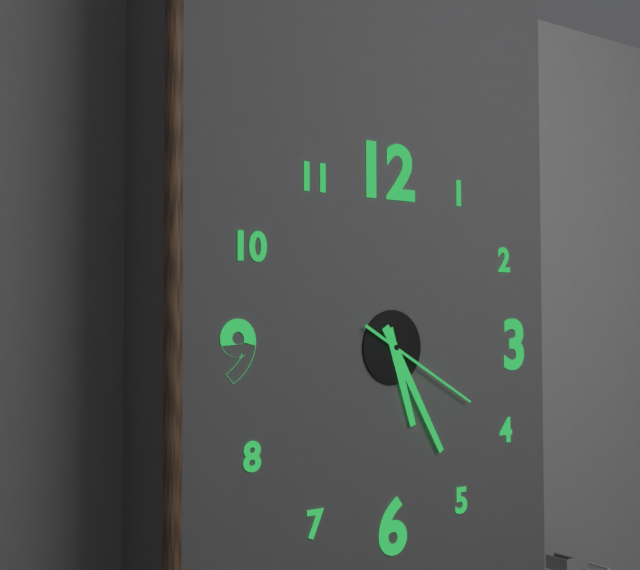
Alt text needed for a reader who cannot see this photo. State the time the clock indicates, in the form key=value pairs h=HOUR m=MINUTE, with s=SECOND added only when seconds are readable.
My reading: h=5 m=25 s=20
